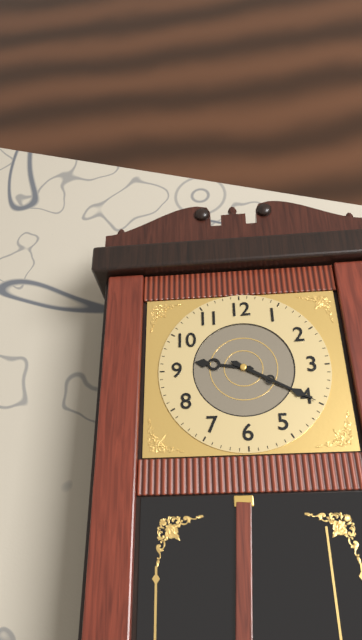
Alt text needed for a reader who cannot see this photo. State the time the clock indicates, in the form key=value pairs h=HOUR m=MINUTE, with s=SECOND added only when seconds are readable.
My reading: h=9 m=20
